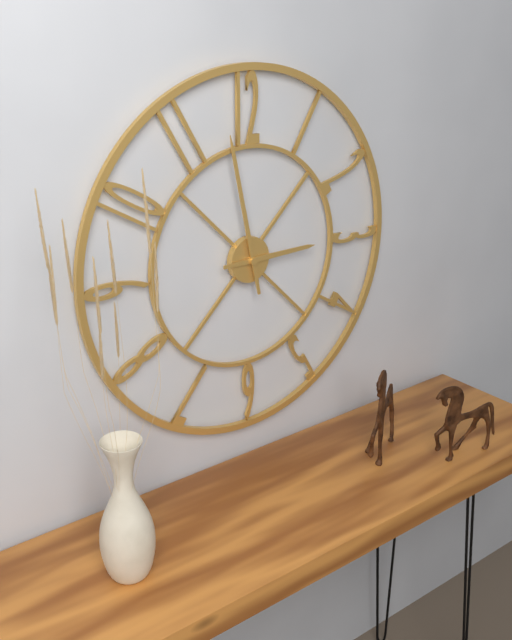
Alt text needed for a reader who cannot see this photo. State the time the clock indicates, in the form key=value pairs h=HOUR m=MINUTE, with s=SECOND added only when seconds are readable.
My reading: h=2 m=58
